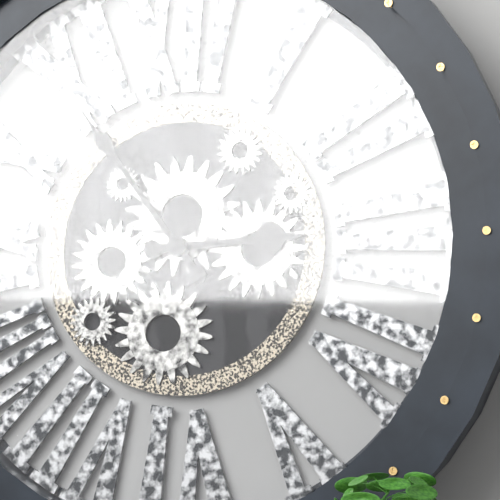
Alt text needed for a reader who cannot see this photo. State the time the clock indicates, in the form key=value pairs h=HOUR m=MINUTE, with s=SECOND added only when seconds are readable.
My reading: h=2 m=54
